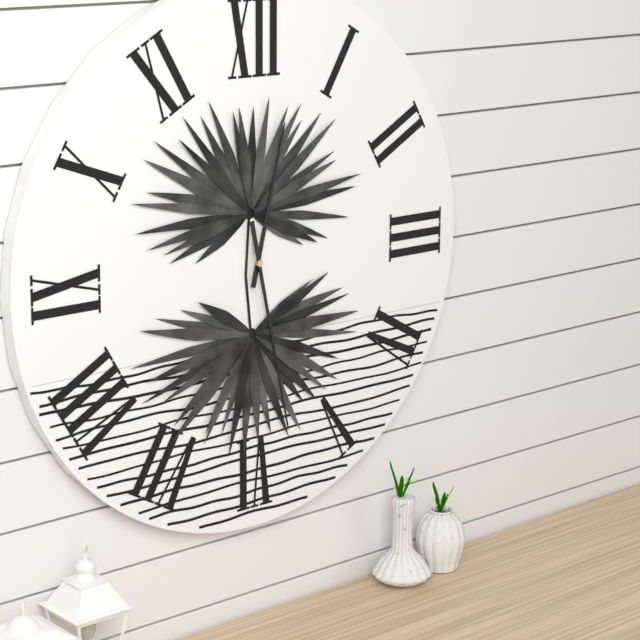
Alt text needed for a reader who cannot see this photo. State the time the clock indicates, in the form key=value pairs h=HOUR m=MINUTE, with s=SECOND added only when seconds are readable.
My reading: h=12 m=28
